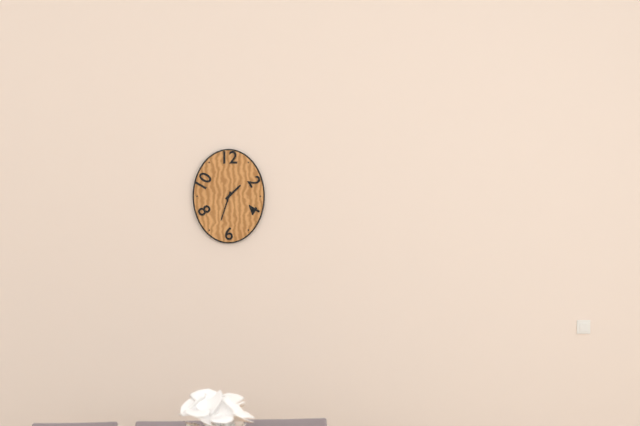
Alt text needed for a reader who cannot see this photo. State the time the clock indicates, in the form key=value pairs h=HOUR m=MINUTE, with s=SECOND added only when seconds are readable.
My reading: h=1 m=33
